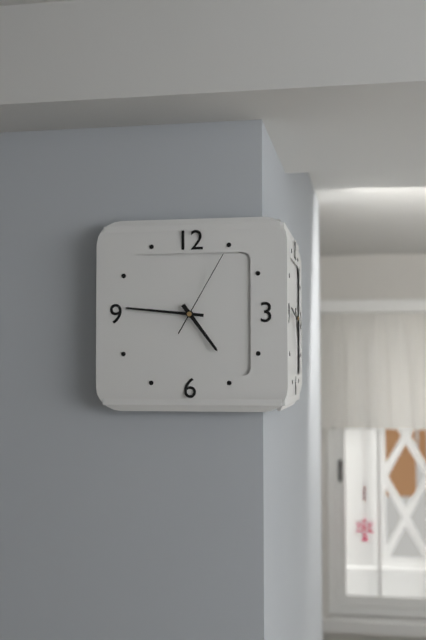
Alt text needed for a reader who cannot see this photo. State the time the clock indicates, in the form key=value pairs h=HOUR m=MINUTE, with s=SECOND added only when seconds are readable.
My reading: h=4 m=46 s=5
